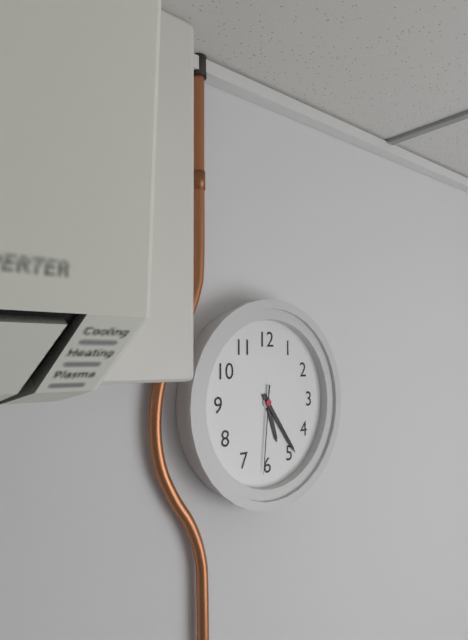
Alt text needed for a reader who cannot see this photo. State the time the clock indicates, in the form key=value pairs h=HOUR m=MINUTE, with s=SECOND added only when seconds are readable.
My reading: h=5 m=24 s=31
